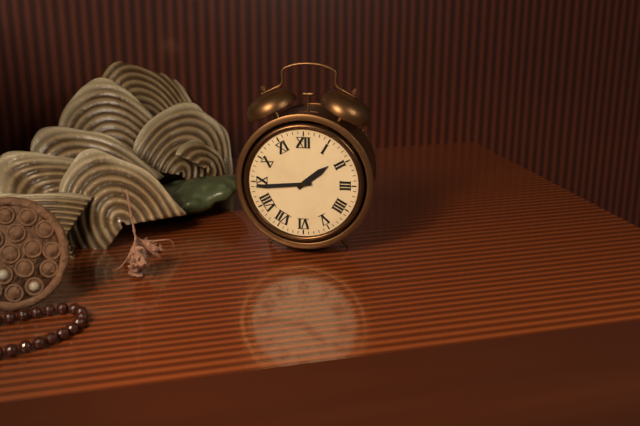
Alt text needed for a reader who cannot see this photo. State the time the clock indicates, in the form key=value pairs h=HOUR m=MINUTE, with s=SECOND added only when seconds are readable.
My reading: h=1 m=44
